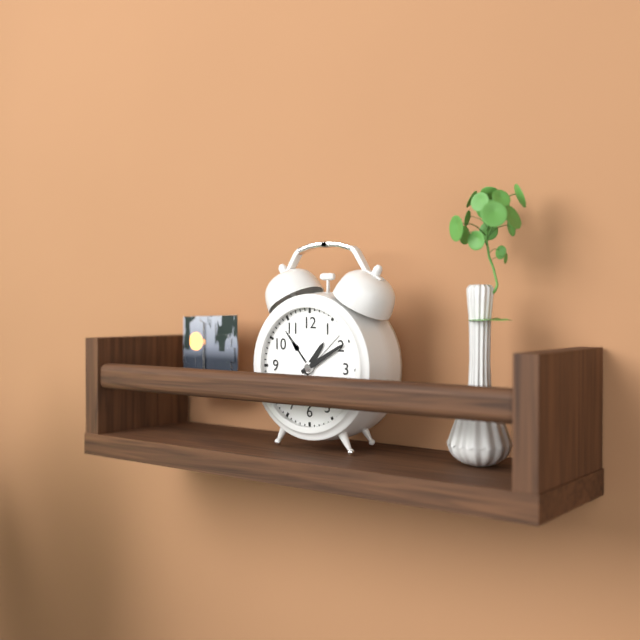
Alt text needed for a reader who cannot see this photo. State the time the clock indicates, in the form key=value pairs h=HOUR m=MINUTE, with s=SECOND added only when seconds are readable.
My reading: h=1 m=10
